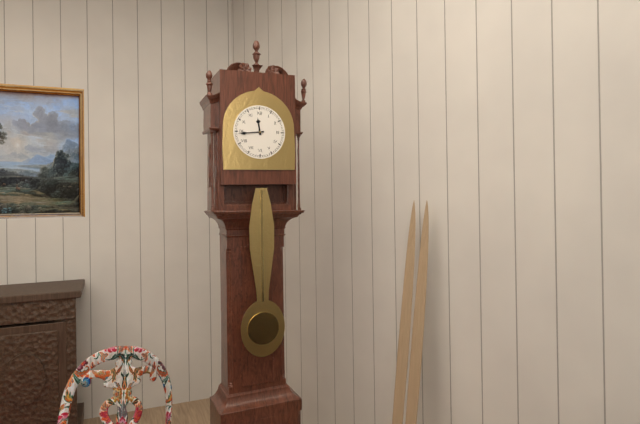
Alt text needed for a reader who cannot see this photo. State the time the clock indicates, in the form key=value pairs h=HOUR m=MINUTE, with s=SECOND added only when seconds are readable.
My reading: h=11 m=44
